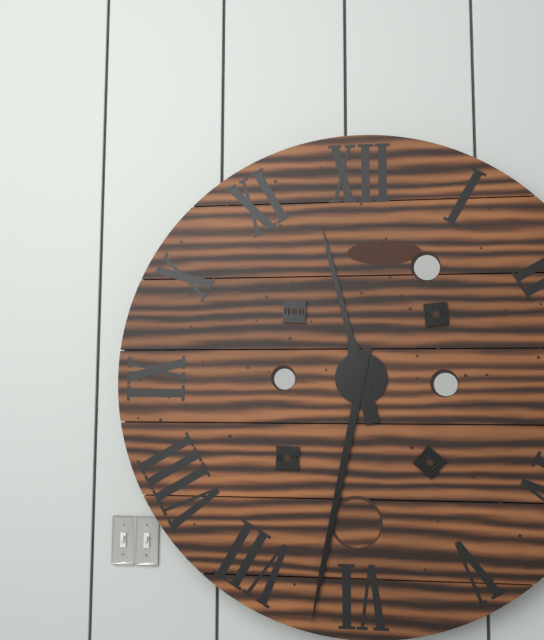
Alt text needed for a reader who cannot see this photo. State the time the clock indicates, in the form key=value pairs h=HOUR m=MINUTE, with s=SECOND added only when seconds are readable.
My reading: h=11 m=32
